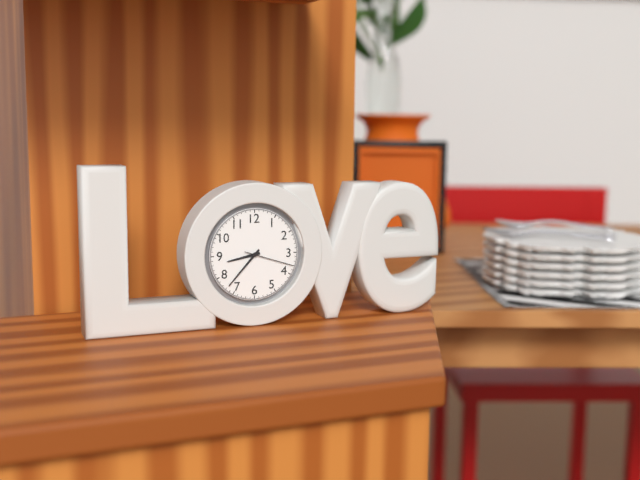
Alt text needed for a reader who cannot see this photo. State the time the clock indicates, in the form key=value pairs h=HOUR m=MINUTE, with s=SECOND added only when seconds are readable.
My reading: h=8 m=37 s=18
